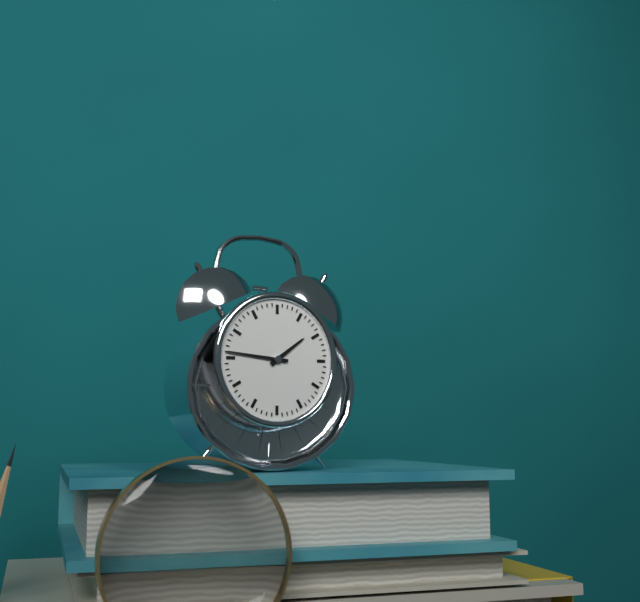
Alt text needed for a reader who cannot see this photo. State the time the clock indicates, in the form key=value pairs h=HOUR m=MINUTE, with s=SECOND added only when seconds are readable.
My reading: h=1 m=46
